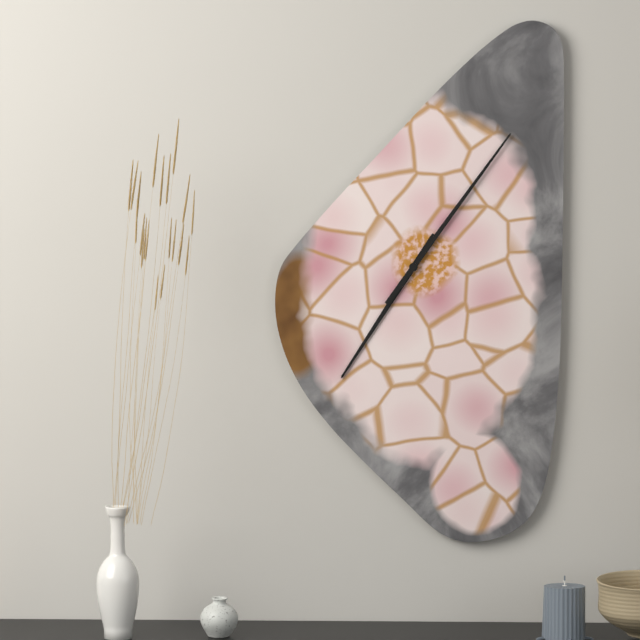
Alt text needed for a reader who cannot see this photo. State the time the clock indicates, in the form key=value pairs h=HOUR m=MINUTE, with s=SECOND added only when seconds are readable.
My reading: h=7 m=6
